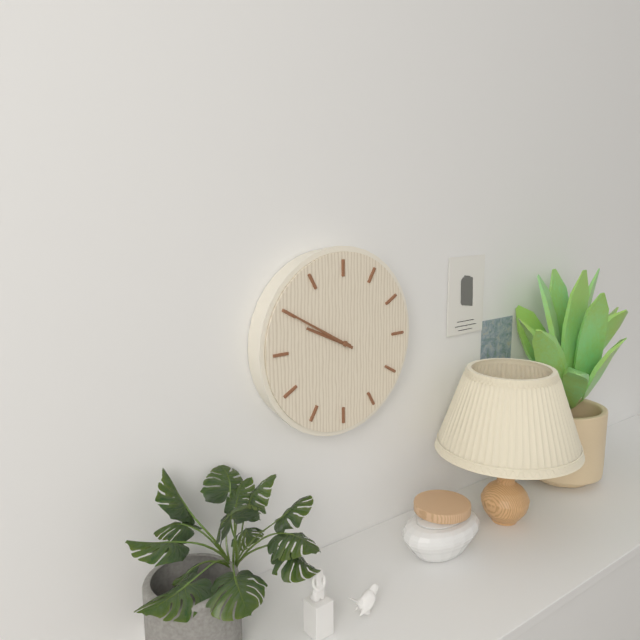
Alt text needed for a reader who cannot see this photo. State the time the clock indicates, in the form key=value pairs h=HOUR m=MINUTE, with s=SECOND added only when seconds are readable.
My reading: h=9 m=50
